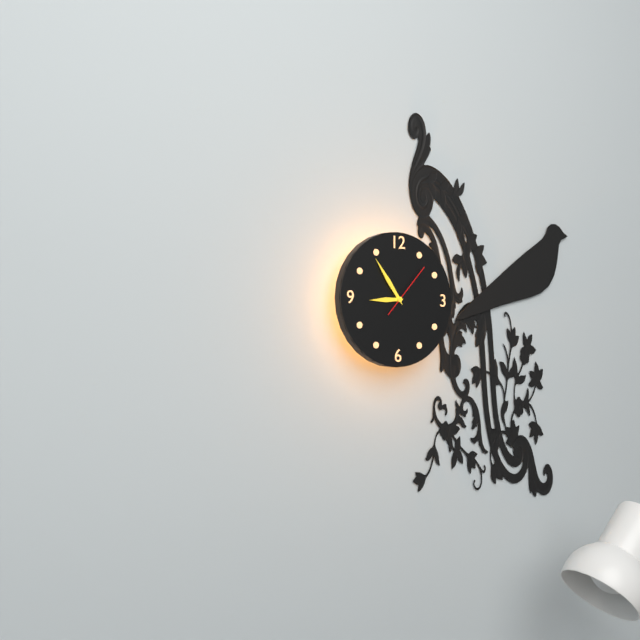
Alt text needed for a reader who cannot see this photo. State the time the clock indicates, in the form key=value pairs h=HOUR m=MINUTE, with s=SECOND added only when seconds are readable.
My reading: h=8 m=54 s=7
